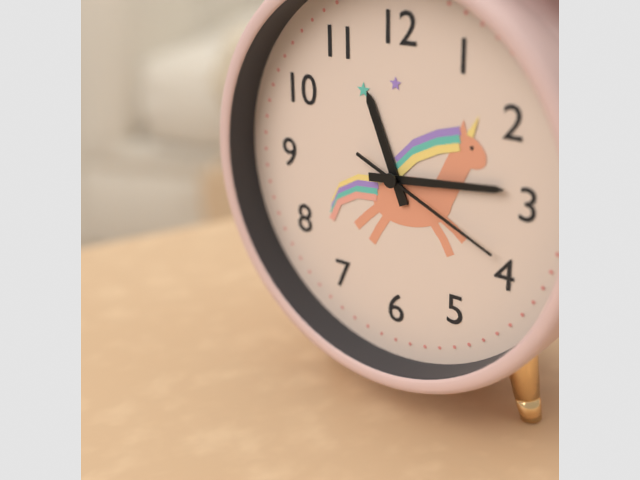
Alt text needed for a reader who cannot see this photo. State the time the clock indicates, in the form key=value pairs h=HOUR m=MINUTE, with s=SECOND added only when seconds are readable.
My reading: h=11 m=14 s=19
